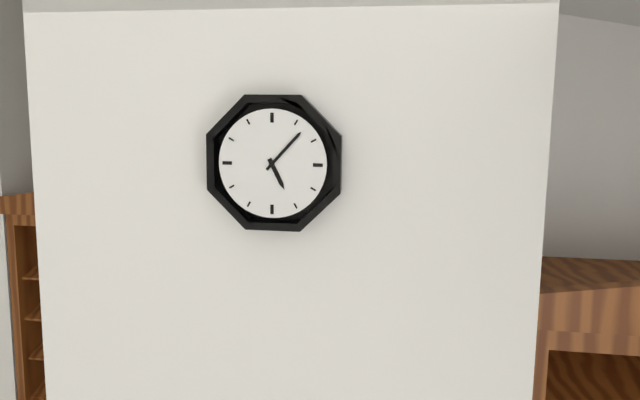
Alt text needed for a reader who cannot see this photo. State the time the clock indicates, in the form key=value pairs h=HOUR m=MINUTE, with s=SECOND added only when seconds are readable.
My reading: h=5 m=7
